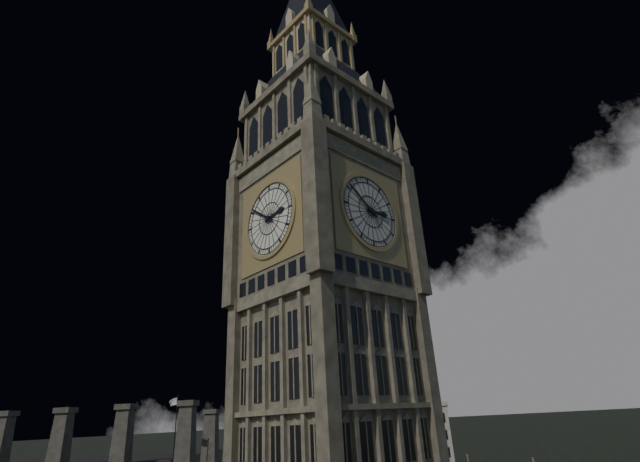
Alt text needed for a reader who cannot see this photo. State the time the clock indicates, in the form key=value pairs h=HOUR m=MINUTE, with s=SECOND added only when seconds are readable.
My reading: h=2 m=51
